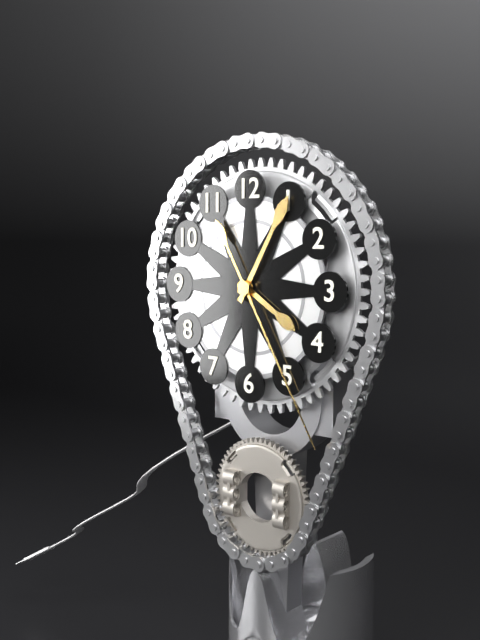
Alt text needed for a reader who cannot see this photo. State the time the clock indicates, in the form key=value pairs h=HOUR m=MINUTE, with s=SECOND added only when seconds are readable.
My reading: h=4 m=5 s=25
